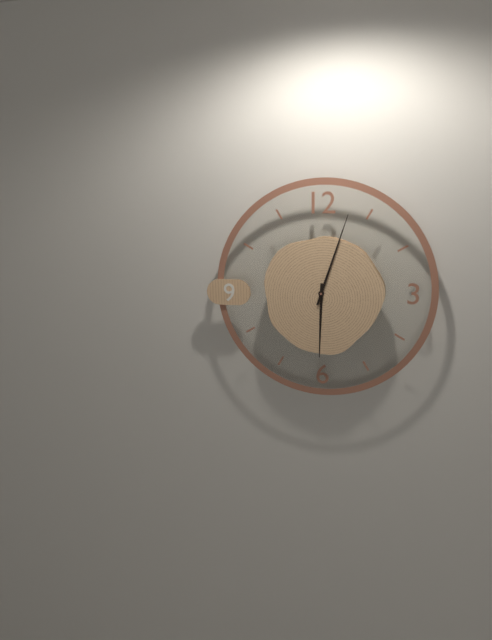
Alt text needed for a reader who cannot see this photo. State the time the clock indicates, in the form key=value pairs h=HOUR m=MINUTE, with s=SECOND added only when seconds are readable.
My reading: h=6 m=3
